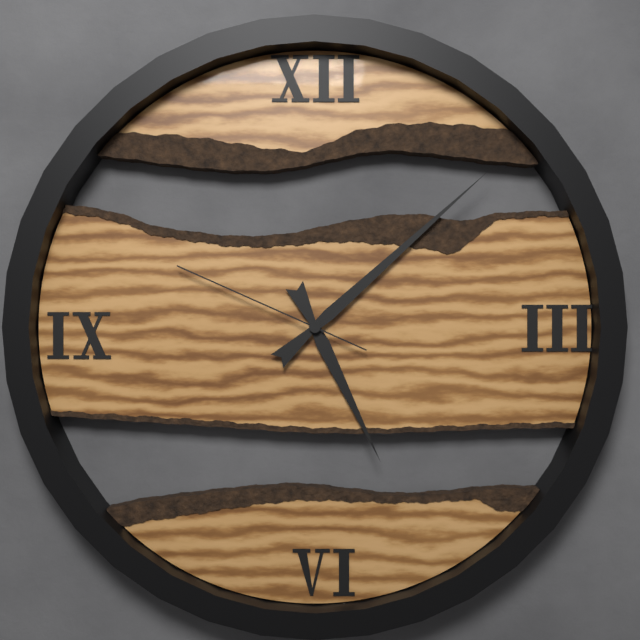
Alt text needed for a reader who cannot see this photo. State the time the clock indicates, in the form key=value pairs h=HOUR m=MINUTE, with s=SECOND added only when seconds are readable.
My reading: h=5 m=8 s=49
